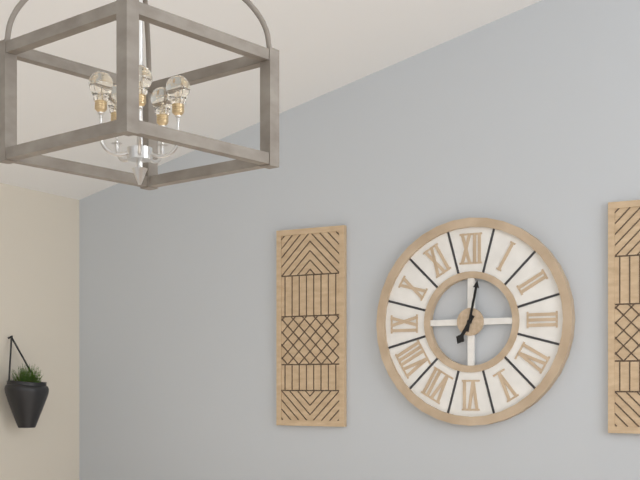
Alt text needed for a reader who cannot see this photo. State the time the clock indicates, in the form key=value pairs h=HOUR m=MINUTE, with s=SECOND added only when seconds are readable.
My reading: h=7 m=2
